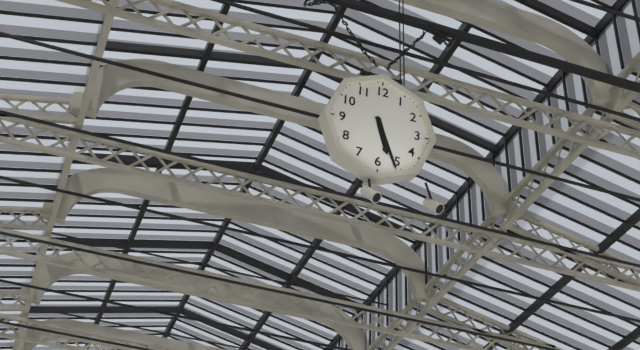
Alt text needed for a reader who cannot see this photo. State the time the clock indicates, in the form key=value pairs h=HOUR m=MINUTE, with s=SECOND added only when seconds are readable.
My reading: h=5 m=26
